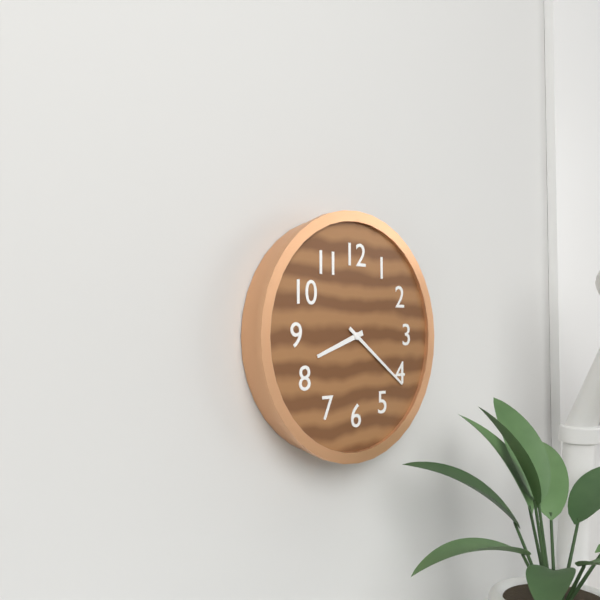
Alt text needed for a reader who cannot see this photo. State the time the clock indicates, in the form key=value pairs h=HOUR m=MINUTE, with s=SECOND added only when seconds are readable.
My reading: h=8 m=21
